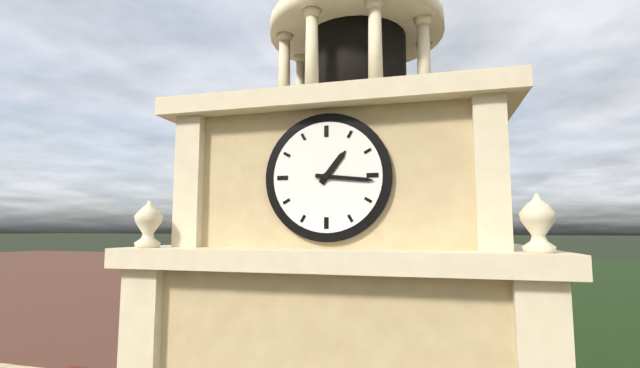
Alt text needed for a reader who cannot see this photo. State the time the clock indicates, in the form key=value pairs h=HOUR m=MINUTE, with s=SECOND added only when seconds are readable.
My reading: h=1 m=16
